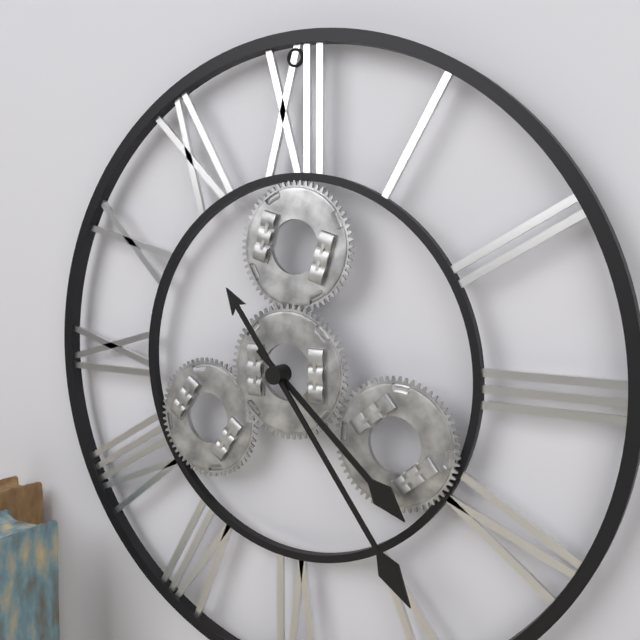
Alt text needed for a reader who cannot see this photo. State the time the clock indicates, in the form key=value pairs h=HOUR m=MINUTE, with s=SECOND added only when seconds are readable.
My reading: h=4 m=24
